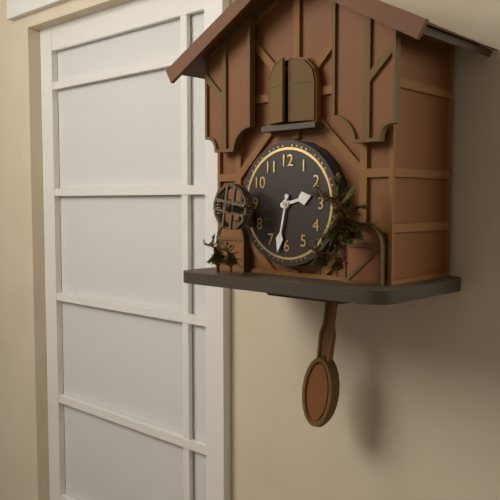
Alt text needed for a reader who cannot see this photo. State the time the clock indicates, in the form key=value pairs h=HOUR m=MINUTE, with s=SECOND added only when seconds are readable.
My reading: h=2 m=32
